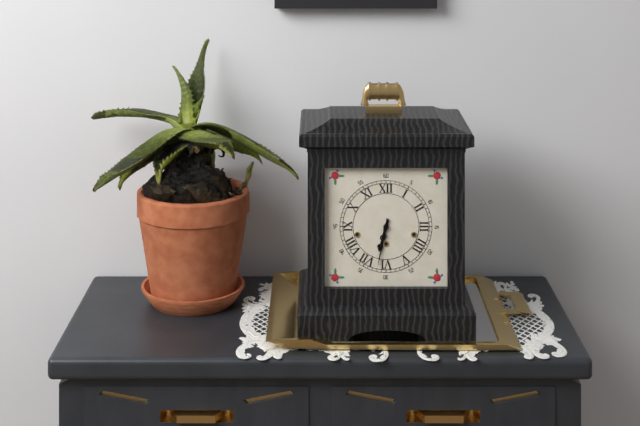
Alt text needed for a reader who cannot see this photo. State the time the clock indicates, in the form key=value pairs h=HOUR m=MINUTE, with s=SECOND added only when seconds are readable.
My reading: h=6 m=32
